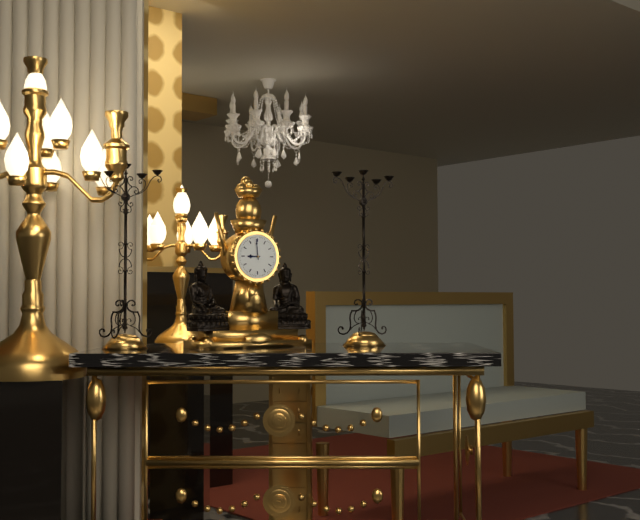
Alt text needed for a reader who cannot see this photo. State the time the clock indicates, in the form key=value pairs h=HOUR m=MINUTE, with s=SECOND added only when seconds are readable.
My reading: h=8 m=59
